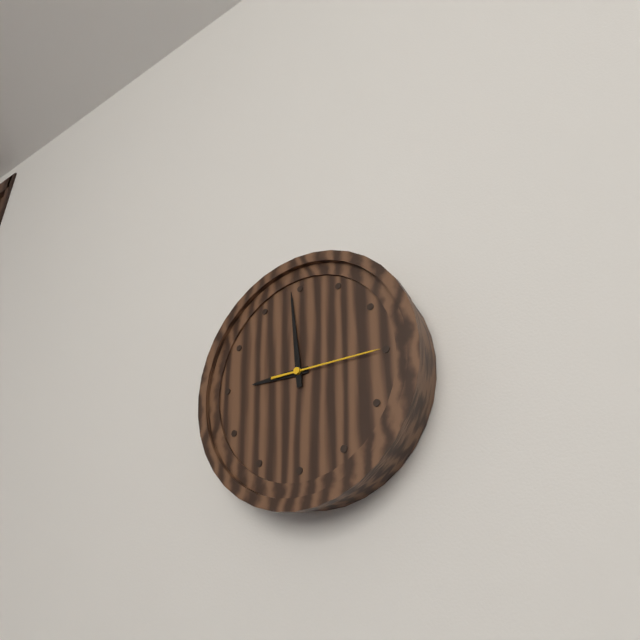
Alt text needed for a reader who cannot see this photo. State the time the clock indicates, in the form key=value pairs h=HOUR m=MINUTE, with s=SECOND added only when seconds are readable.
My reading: h=8 m=59 s=15
